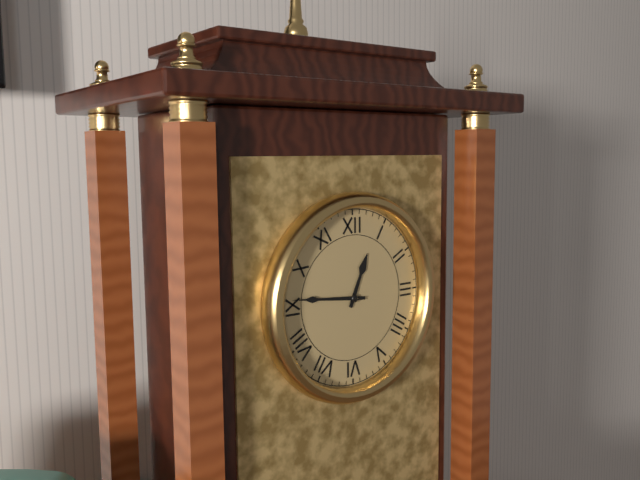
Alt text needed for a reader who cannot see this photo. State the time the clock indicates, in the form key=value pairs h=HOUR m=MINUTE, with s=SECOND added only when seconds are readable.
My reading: h=12 m=46
